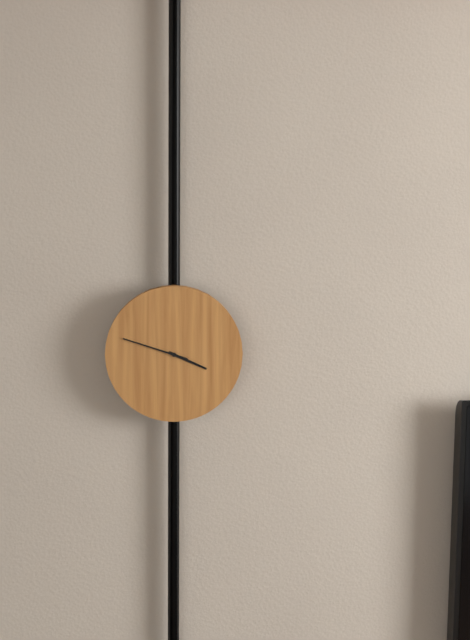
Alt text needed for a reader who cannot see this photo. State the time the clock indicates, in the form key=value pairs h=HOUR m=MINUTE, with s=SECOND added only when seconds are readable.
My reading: h=3 m=48
